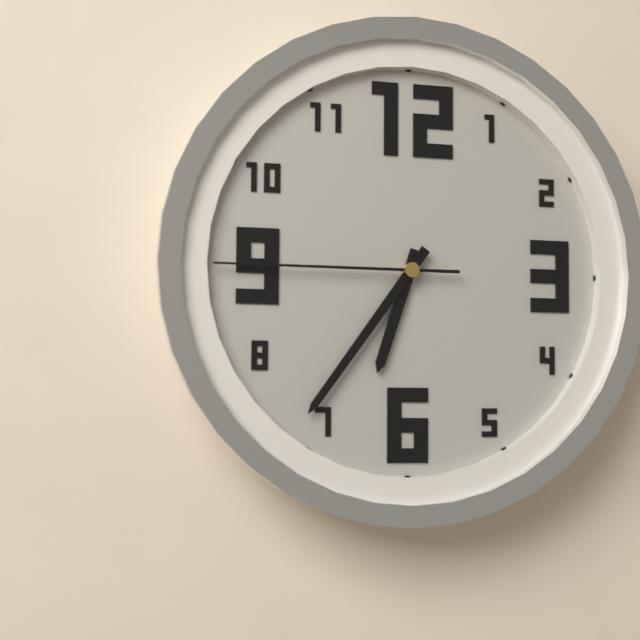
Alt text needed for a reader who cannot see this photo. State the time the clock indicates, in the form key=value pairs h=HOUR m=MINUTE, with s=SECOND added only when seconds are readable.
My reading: h=6 m=36 s=45
